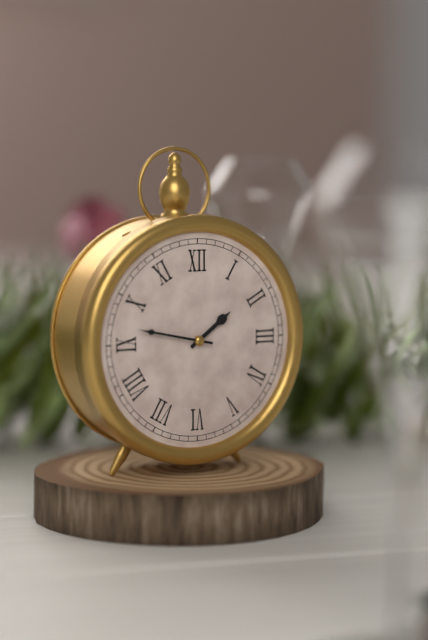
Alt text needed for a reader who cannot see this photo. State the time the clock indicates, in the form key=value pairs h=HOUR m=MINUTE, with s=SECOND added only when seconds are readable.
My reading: h=1 m=47
